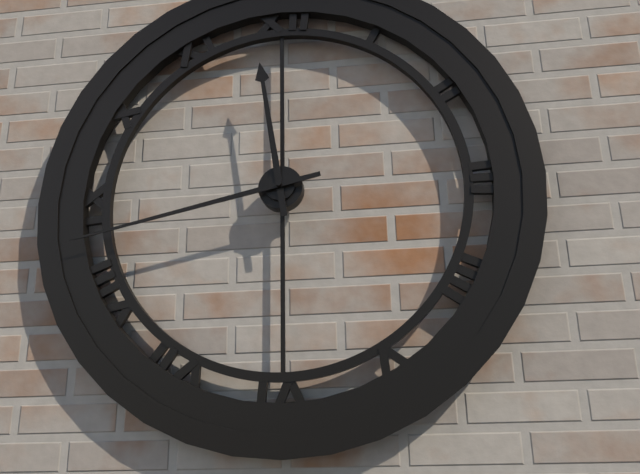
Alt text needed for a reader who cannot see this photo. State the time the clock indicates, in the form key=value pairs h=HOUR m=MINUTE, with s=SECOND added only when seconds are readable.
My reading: h=11 m=43
